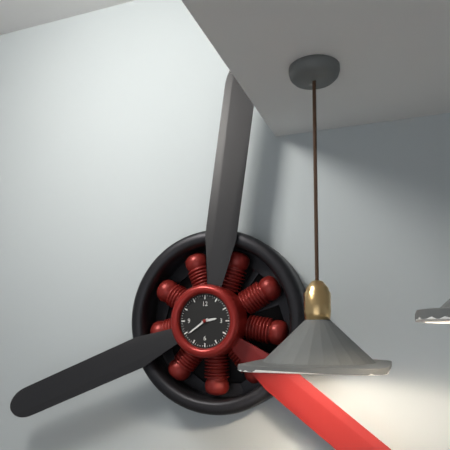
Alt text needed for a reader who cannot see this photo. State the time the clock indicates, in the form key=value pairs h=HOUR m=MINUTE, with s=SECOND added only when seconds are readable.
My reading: h=2 m=39
